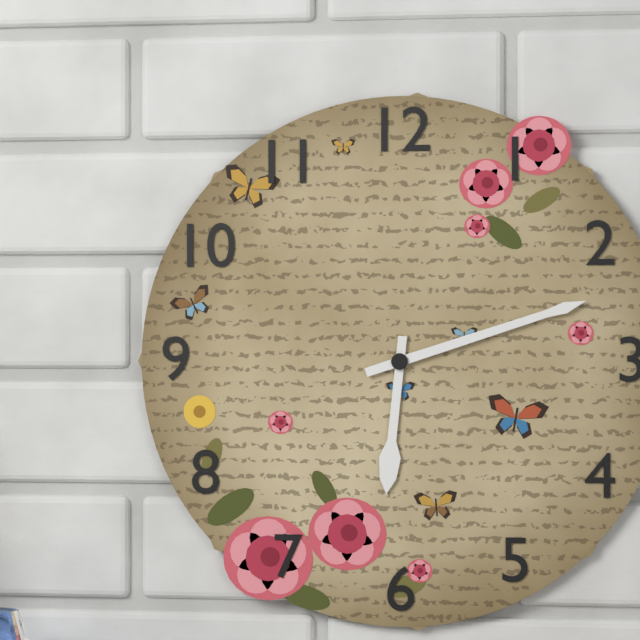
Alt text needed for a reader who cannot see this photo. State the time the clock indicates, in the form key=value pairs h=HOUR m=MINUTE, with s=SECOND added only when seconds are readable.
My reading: h=6 m=12
